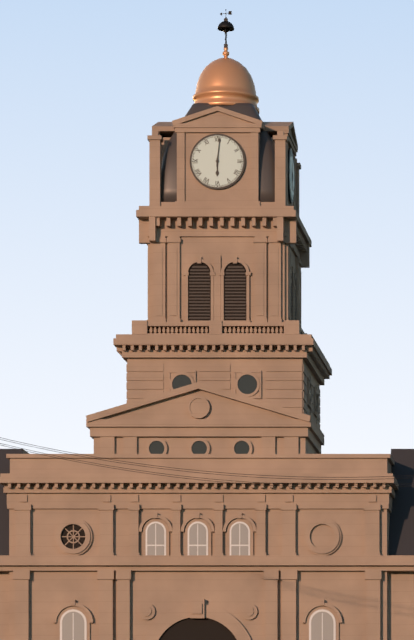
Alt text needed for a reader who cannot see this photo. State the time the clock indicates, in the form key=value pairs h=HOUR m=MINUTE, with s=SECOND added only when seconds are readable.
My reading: h=6 m=1
